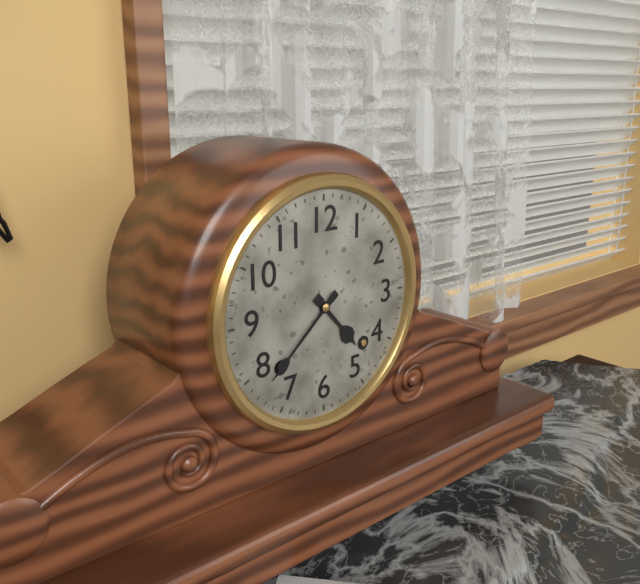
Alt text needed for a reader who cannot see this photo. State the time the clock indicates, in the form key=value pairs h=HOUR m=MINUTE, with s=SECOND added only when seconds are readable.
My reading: h=4 m=38
